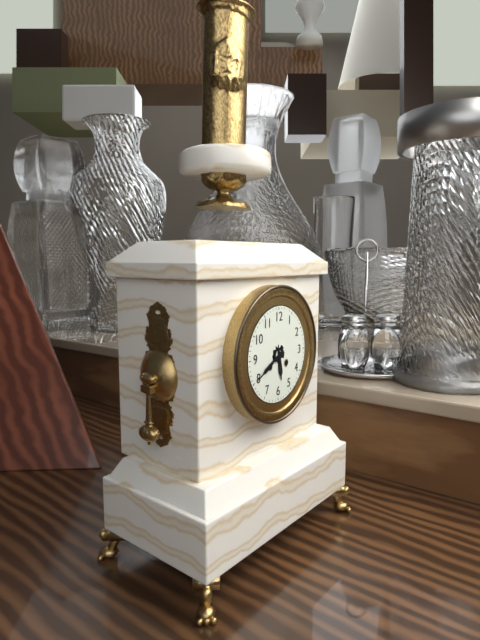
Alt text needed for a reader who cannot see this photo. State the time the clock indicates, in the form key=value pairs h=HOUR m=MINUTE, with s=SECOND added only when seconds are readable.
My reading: h=5 m=40
